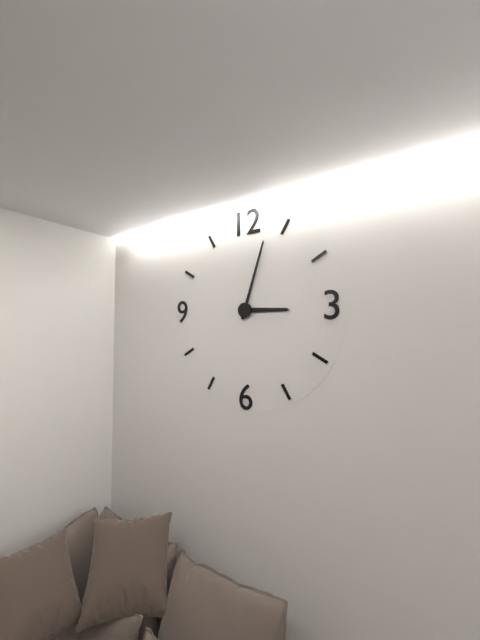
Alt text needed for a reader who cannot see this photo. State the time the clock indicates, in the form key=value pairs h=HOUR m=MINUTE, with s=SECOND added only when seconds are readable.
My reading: h=3 m=3
